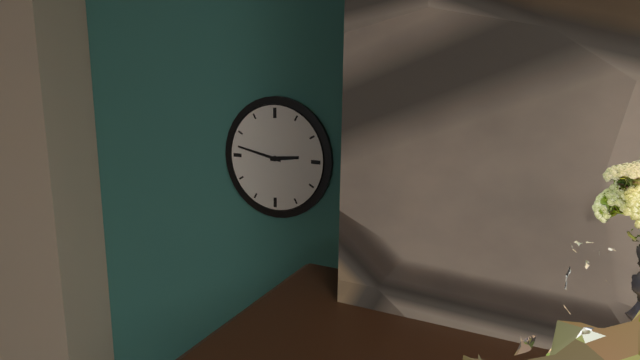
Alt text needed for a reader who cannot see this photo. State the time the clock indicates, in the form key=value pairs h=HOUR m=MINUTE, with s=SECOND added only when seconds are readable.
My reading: h=2 m=47
